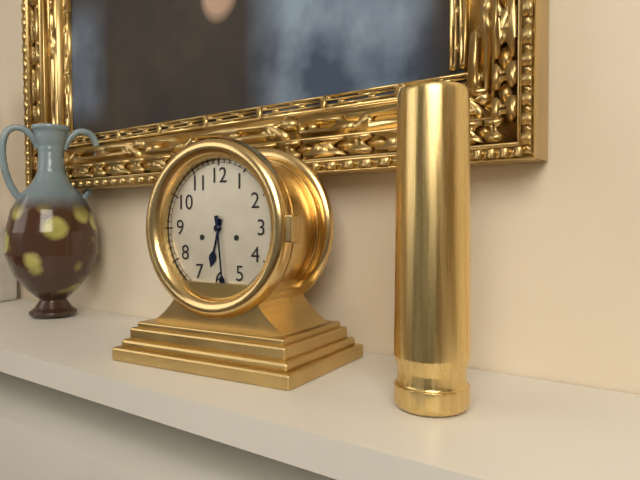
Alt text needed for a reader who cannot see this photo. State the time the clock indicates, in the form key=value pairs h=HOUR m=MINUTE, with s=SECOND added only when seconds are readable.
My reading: h=6 m=29
